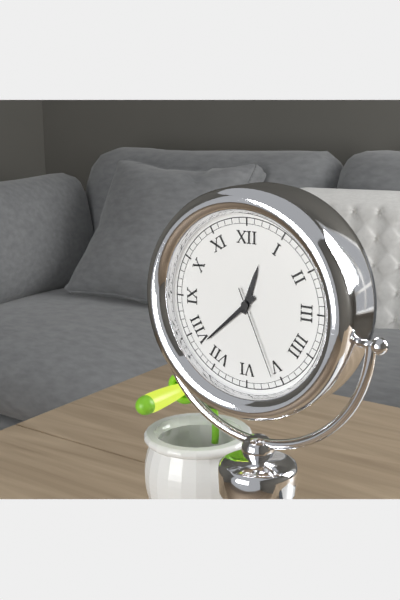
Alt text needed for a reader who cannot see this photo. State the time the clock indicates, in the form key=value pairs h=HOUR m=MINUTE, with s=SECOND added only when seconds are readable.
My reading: h=12 m=38 s=26
